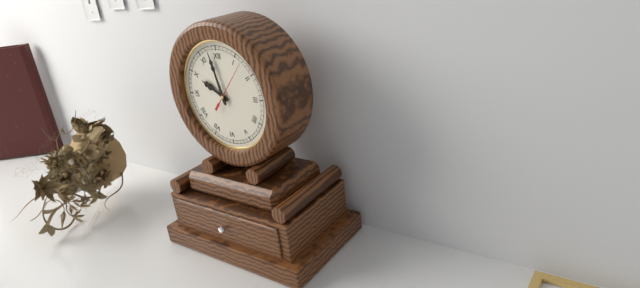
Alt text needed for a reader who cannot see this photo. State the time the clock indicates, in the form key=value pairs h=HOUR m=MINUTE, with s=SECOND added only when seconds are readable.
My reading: h=9 m=58
